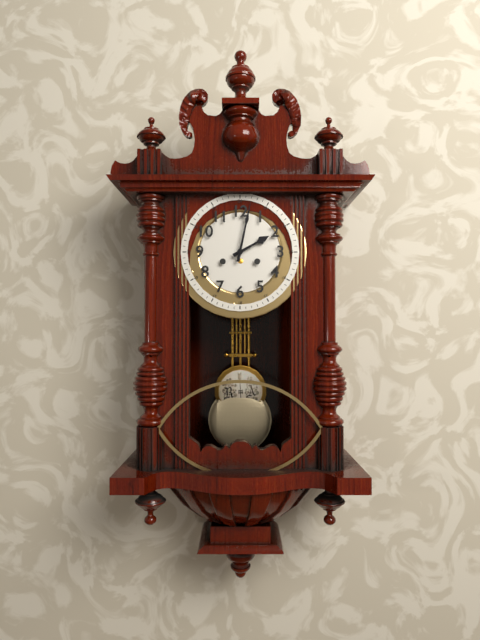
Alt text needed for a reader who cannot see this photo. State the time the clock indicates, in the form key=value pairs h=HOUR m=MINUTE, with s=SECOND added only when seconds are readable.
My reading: h=2 m=2
